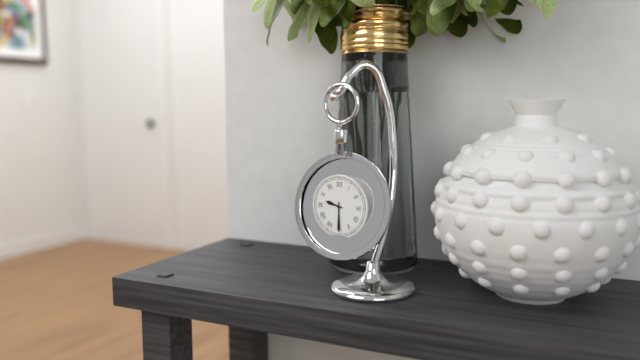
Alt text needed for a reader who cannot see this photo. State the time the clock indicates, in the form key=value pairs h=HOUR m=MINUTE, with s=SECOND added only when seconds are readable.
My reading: h=9 m=30
